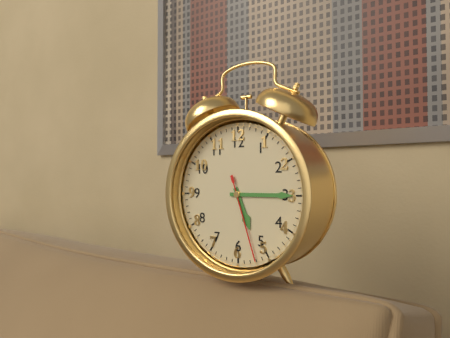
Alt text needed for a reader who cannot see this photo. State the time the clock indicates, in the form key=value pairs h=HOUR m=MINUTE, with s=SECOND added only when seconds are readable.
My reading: h=5 m=15 s=27
